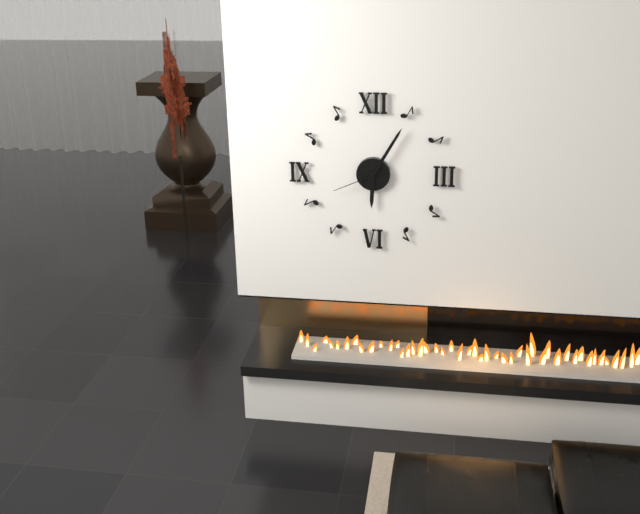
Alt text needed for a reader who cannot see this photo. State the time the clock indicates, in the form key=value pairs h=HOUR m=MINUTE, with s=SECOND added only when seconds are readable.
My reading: h=6 m=5 s=41
